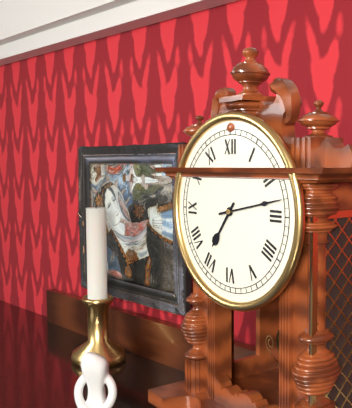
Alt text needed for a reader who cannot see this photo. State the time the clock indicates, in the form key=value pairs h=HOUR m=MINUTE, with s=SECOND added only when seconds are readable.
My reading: h=7 m=13
